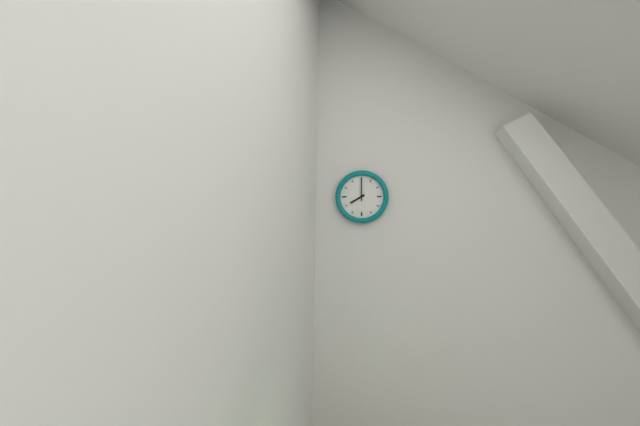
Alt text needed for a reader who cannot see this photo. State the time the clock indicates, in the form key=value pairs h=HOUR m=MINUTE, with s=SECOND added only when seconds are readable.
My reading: h=8 m=0
